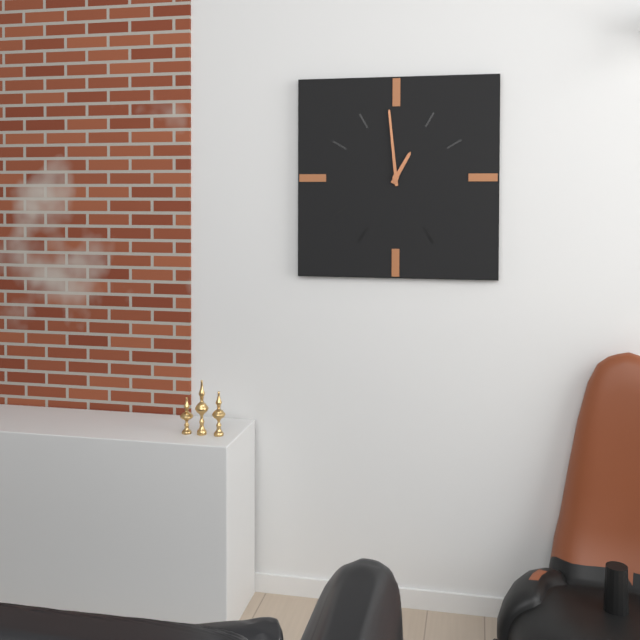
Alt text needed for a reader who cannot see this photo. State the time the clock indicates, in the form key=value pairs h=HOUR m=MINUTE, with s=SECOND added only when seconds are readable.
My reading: h=12 m=59
